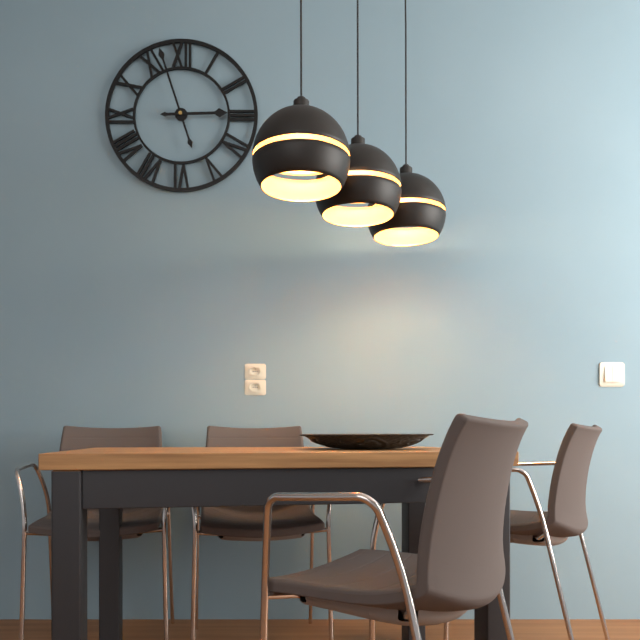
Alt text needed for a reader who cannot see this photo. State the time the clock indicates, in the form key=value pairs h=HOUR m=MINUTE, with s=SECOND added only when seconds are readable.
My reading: h=2 m=57
